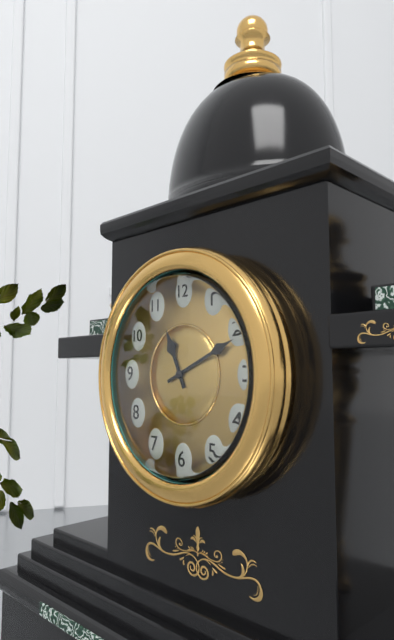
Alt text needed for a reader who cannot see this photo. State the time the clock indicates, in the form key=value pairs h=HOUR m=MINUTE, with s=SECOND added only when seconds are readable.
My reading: h=11 m=11
